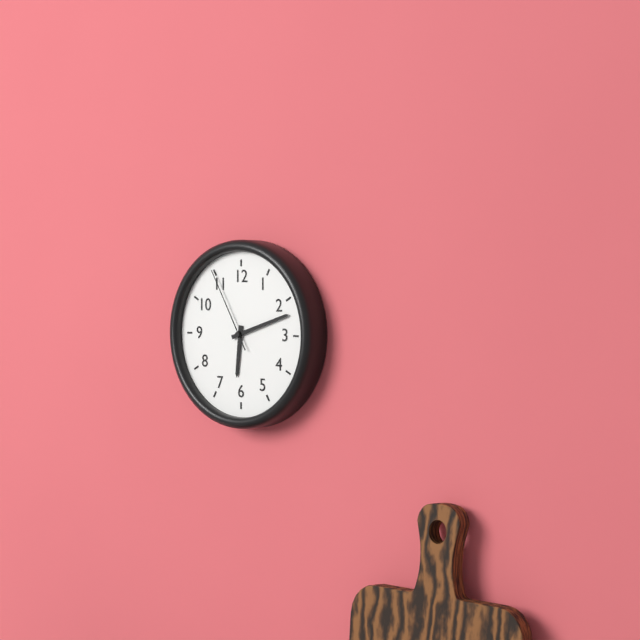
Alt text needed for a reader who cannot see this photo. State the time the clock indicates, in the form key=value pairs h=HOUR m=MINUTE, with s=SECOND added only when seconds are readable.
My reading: h=6 m=12 s=55
